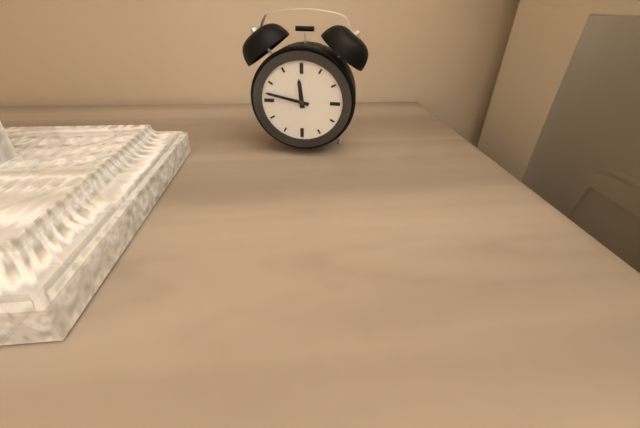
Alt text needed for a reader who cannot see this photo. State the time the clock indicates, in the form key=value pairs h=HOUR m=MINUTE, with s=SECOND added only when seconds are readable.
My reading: h=11 m=47
